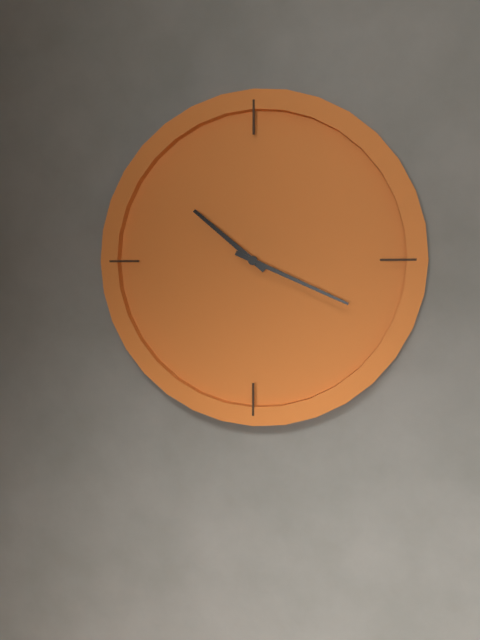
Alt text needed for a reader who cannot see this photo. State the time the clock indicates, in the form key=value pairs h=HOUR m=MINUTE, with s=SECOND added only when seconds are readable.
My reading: h=10 m=19
